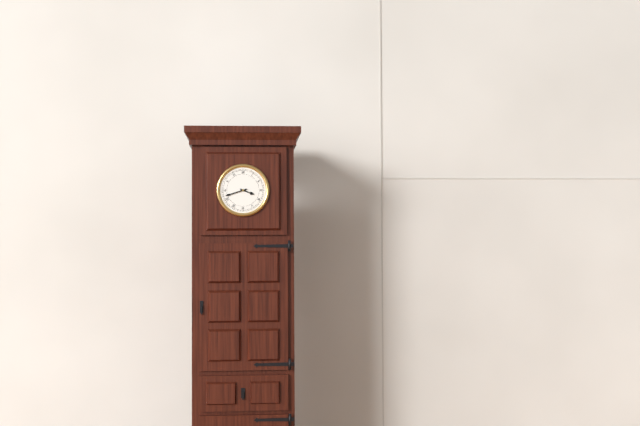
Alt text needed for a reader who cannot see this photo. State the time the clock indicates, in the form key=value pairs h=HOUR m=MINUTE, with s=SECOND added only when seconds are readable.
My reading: h=3 m=42
